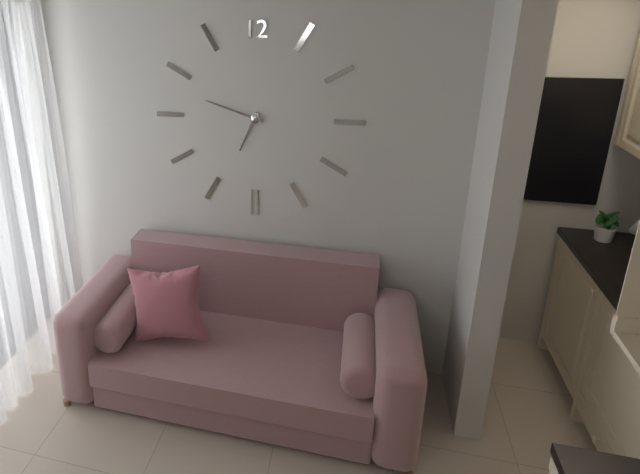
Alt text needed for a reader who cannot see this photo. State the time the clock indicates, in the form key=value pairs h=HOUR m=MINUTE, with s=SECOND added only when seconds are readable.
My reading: h=6 m=48
